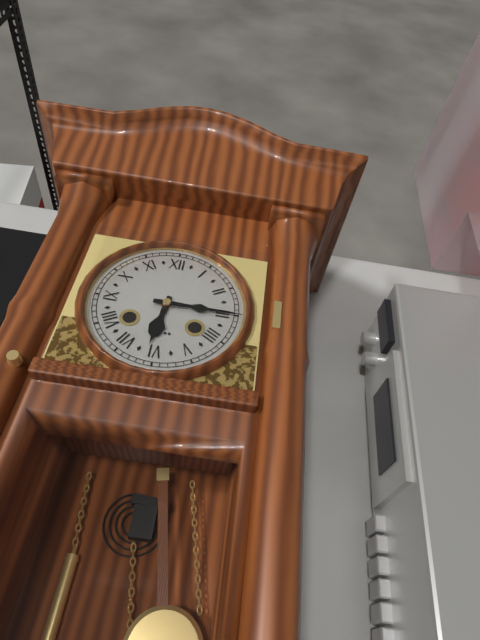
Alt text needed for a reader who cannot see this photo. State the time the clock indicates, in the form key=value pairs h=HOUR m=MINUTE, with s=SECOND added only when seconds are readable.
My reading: h=6 m=15
